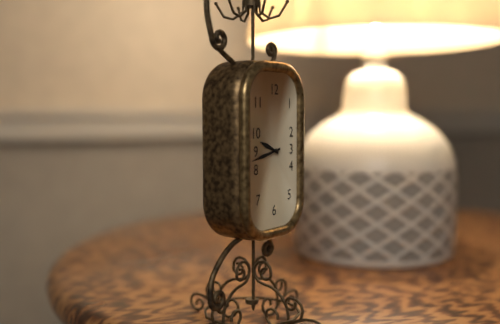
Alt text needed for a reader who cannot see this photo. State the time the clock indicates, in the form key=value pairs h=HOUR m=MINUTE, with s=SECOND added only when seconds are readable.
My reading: h=9 m=43
